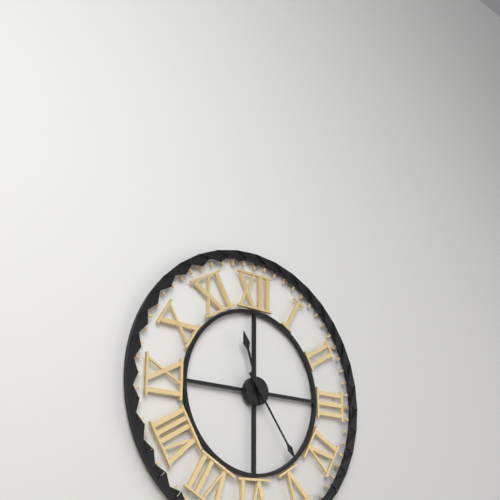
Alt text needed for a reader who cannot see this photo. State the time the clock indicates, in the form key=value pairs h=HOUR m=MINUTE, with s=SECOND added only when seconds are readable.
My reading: h=11 m=24
